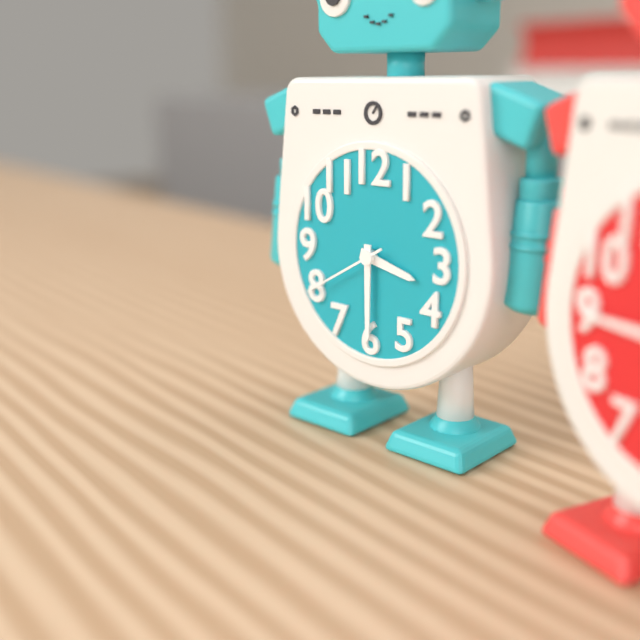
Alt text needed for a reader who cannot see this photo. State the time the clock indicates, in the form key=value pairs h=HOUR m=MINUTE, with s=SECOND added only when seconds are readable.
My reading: h=3 m=30 s=40
